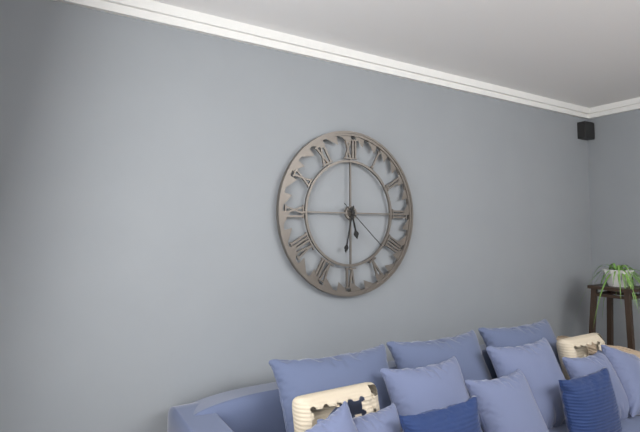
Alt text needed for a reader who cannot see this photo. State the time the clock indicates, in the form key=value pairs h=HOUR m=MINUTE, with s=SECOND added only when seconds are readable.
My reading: h=5 m=32 s=22
